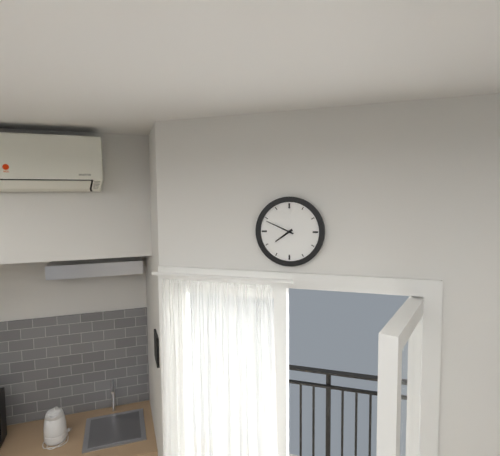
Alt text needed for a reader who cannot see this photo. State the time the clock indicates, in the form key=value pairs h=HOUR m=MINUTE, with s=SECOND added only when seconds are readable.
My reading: h=7 m=49
